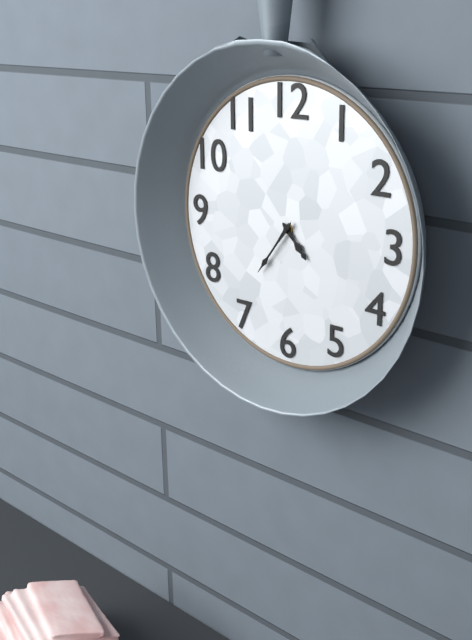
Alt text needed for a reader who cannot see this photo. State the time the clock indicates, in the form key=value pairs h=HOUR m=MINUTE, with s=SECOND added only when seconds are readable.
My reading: h=4 m=36
